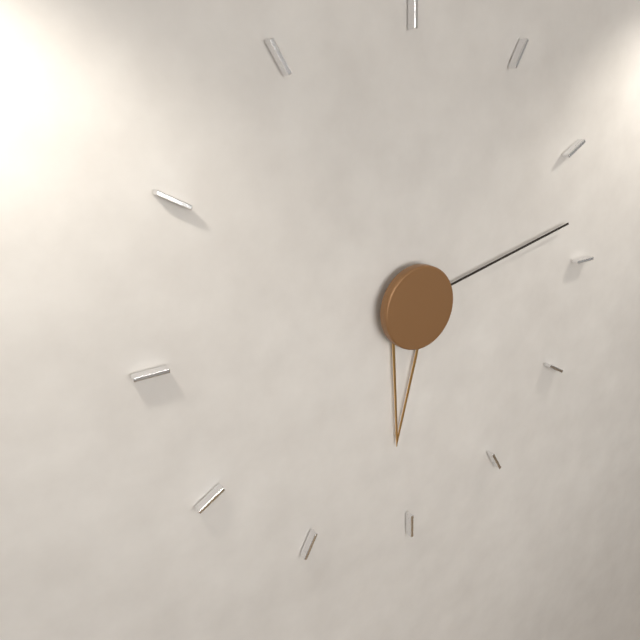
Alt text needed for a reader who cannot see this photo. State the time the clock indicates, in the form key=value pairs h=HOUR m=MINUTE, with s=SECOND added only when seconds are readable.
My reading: h=6 m=13
